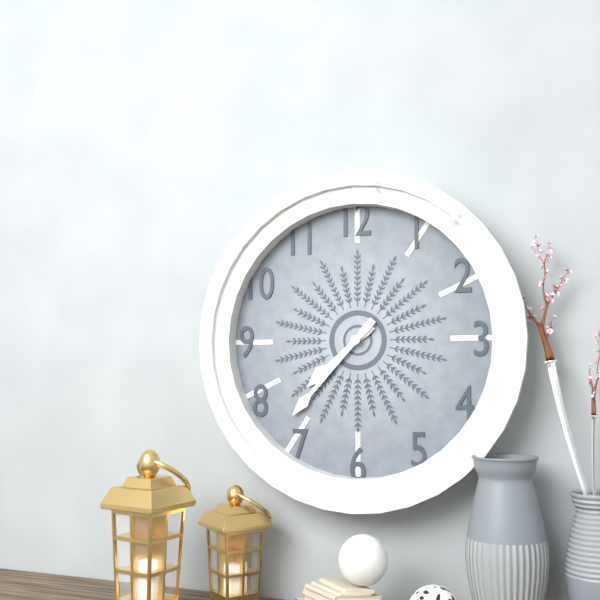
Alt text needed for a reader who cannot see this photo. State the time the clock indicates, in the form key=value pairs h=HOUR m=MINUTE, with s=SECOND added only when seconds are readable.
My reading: h=7 m=37
